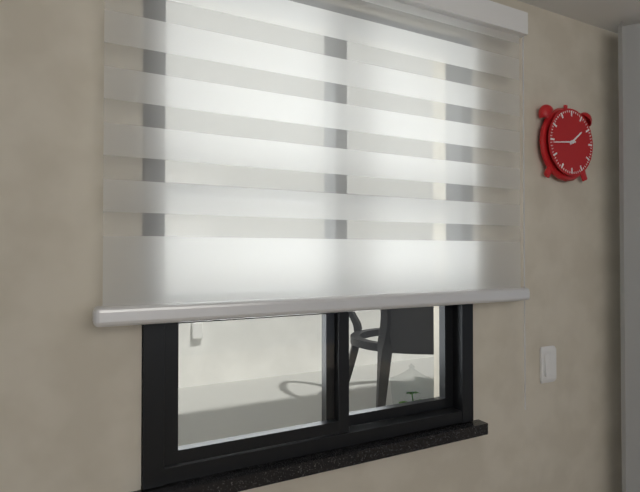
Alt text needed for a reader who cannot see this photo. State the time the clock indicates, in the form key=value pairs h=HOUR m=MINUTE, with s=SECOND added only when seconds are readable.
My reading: h=1 m=44
